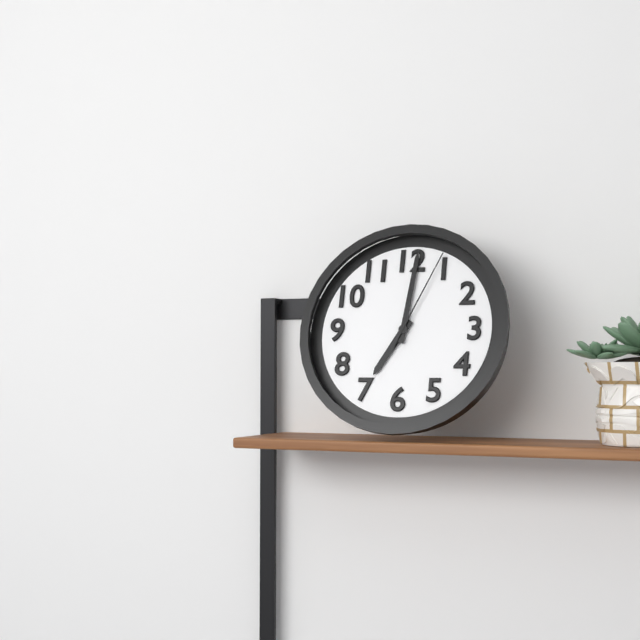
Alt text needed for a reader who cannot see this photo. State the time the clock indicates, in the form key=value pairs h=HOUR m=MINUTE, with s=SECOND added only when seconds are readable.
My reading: h=7 m=1 s=4
